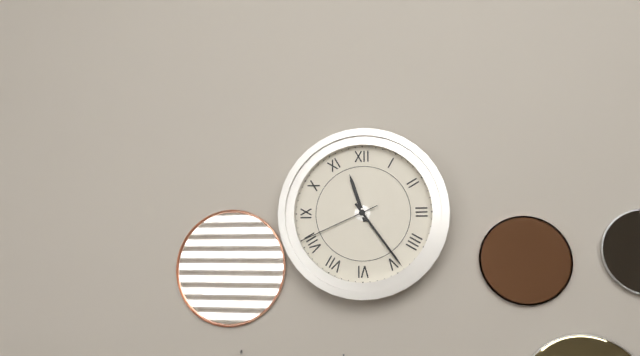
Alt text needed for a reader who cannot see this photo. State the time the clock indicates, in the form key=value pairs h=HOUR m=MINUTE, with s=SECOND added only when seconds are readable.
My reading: h=11 m=24 s=41
